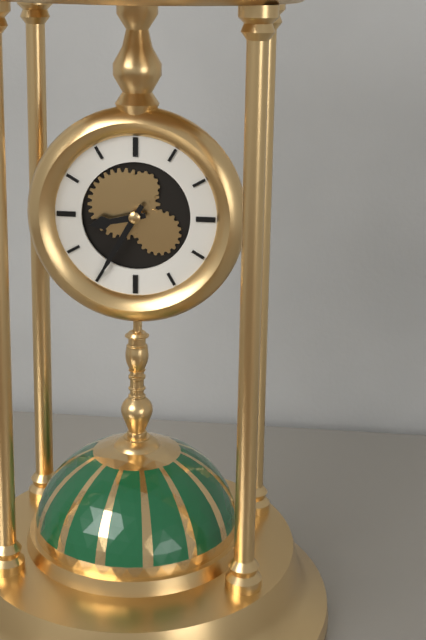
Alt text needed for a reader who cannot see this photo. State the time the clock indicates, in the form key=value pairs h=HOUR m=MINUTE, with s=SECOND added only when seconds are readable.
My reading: h=8 m=35
